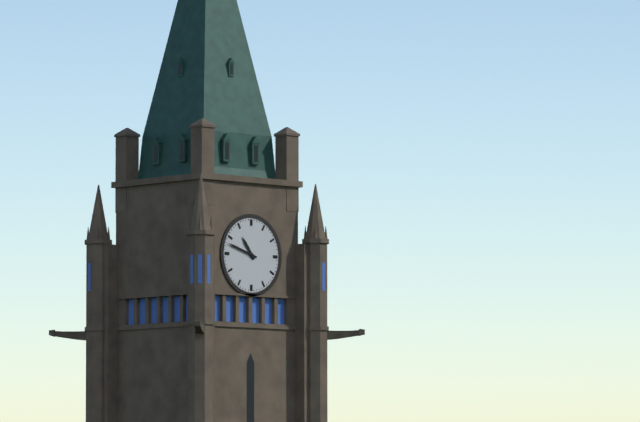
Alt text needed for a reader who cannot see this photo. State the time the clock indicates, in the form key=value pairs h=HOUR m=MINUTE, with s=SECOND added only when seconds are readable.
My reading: h=10 m=48
